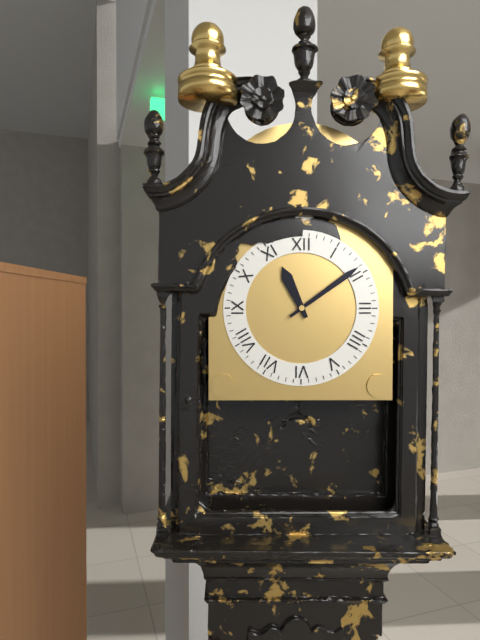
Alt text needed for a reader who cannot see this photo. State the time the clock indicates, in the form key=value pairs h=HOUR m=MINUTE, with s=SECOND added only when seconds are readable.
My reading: h=11 m=9
